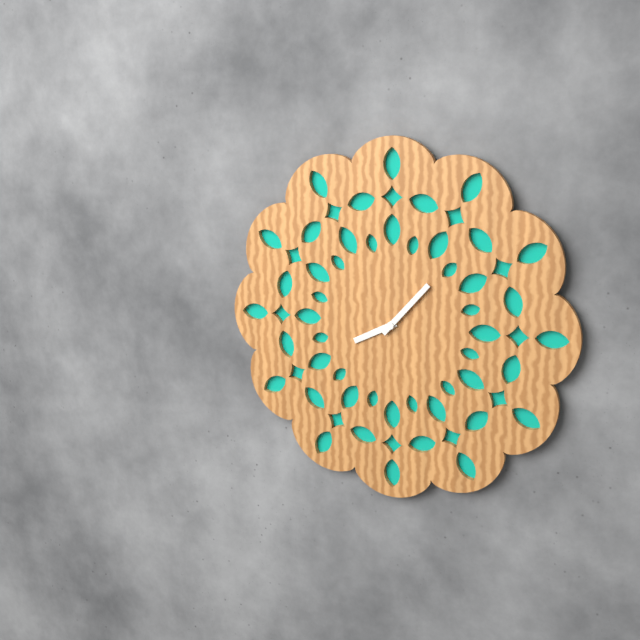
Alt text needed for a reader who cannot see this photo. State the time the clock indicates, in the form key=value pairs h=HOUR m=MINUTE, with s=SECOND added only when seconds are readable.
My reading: h=8 m=7
